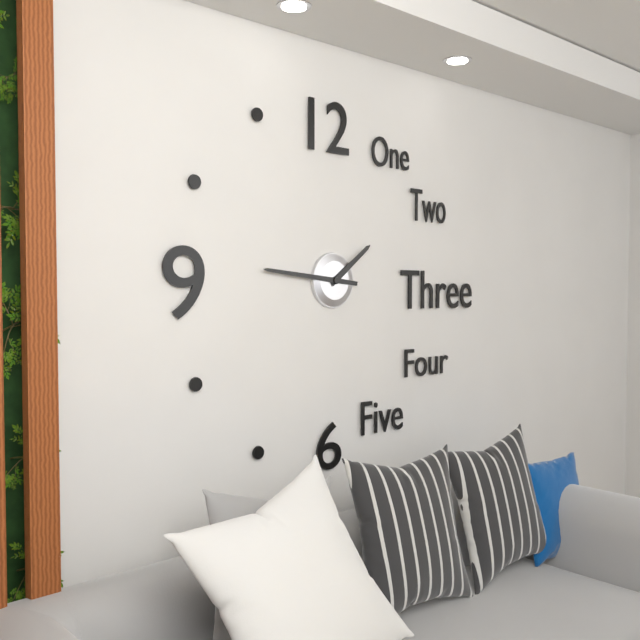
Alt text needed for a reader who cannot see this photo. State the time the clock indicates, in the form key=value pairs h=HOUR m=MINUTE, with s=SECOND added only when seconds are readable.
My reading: h=1 m=46
